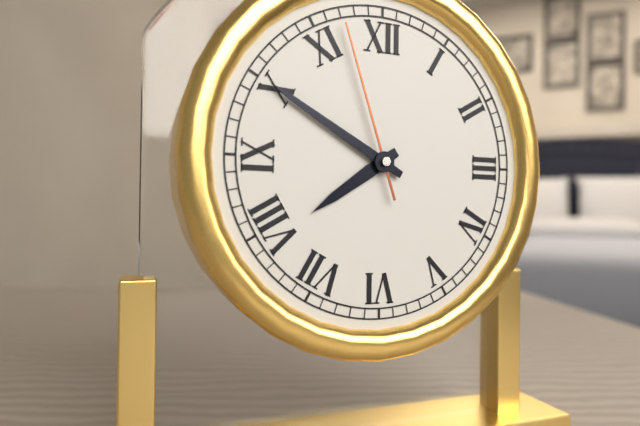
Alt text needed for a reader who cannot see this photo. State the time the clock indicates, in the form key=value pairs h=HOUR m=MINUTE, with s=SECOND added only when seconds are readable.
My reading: h=7 m=50 s=57
